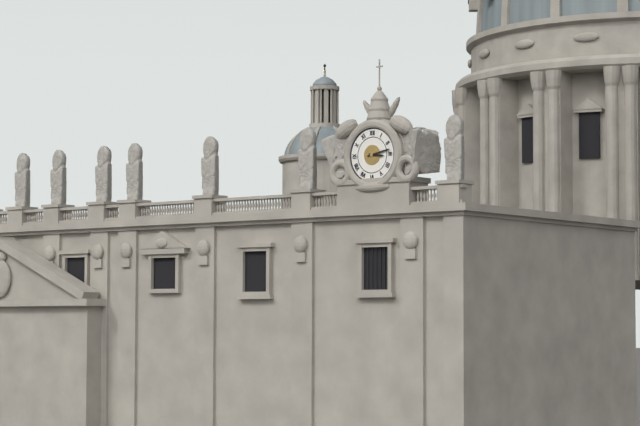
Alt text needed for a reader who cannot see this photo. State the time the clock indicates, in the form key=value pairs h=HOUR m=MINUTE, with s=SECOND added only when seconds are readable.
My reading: h=3 m=13
